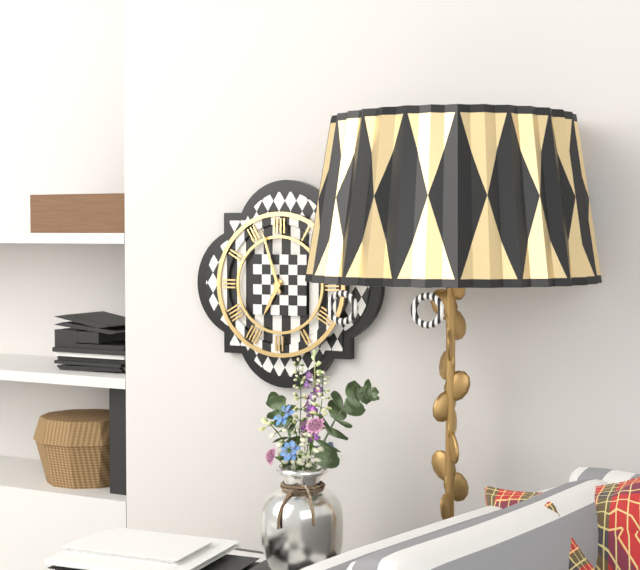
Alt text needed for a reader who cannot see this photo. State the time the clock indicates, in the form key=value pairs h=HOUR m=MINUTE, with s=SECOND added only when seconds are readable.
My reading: h=6 m=57
